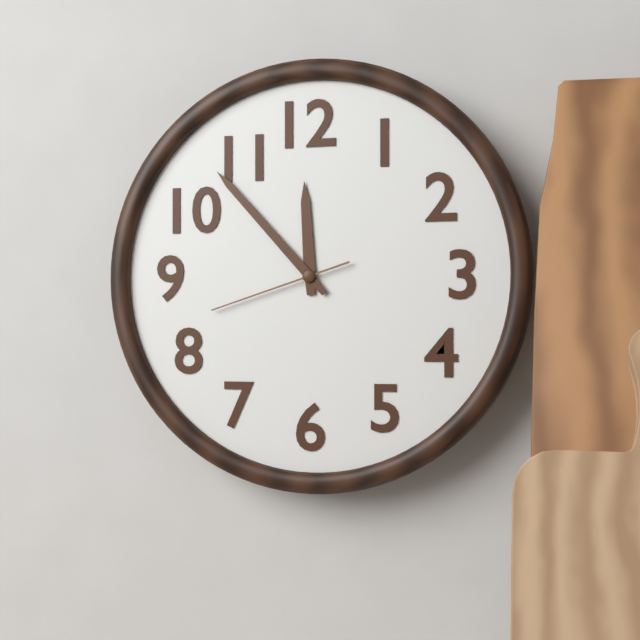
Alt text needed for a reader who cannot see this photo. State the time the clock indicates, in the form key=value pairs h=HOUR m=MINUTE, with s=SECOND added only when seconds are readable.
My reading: h=11 m=53 s=42
